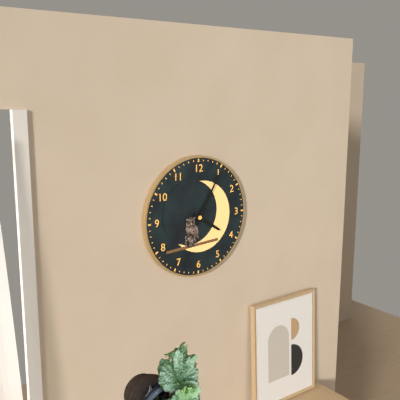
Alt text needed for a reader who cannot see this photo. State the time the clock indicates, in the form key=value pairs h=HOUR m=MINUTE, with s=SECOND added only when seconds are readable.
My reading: h=4 m=5
